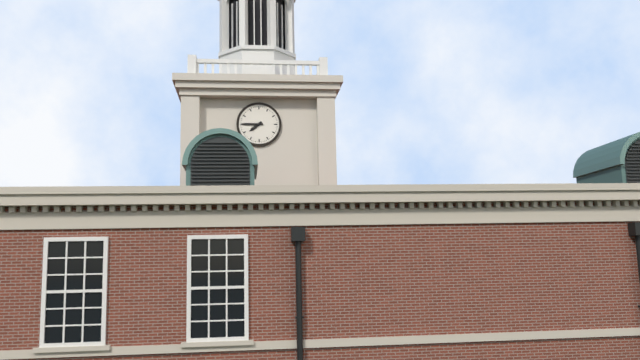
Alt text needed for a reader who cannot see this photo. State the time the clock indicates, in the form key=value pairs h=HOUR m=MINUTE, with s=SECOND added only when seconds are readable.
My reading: h=7 m=45
